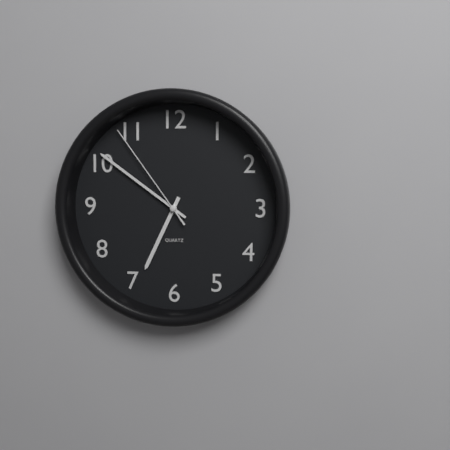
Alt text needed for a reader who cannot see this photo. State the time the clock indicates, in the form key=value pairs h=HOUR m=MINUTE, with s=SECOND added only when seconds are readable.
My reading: h=6 m=51 s=54
